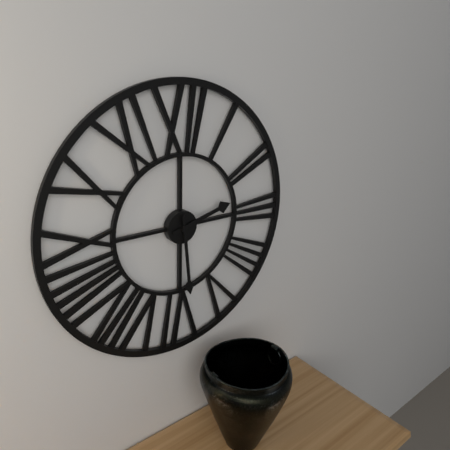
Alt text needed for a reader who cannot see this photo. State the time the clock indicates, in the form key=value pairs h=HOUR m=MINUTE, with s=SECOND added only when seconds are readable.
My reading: h=2 m=29
